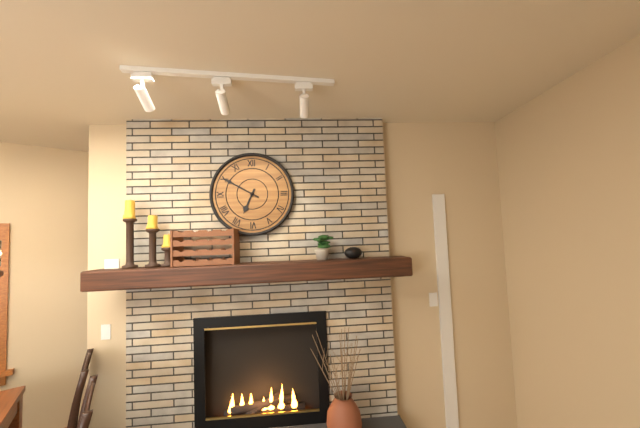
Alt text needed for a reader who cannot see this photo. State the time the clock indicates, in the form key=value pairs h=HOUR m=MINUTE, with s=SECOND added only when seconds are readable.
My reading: h=6 m=50
